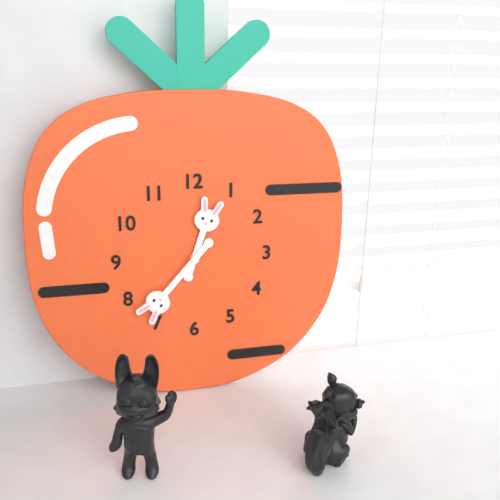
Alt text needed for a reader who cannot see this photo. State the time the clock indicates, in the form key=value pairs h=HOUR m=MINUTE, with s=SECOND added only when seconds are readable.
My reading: h=12 m=37
